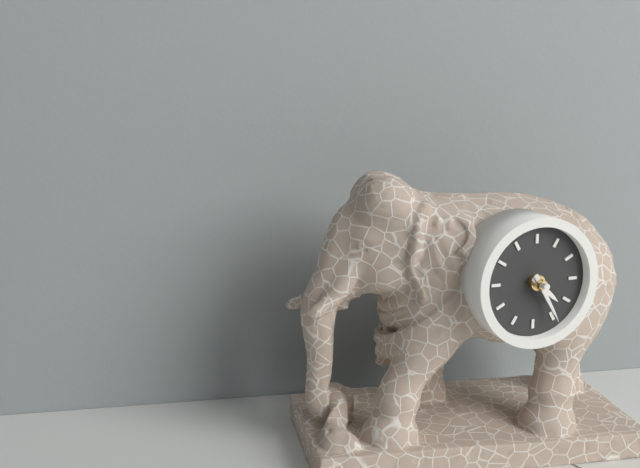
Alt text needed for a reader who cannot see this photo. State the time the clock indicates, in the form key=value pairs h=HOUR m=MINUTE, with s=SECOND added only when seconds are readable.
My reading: h=4 m=25
